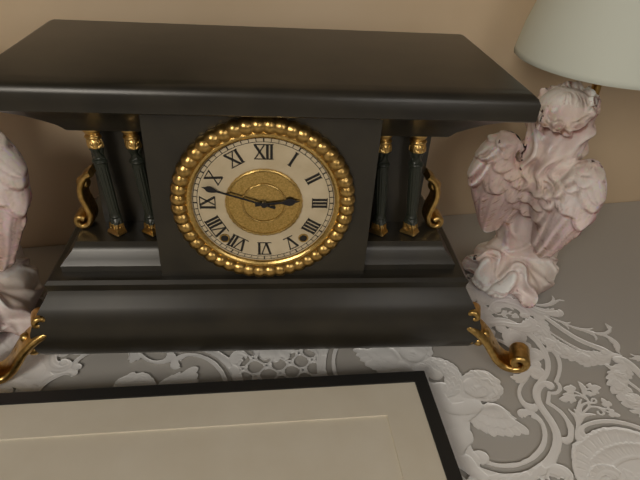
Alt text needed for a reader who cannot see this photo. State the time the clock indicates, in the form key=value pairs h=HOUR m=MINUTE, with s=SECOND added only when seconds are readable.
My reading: h=2 m=48
